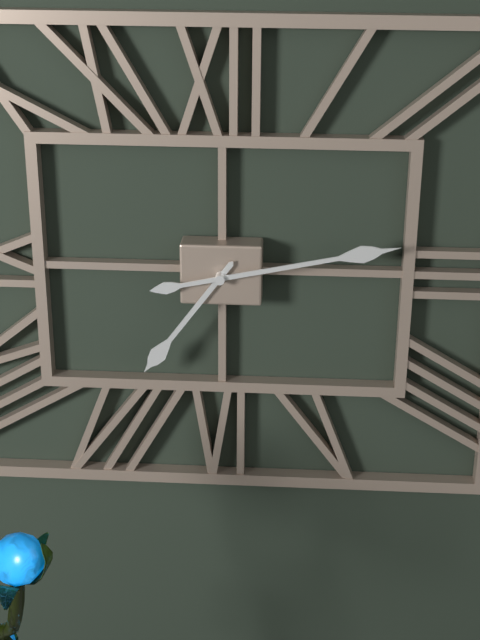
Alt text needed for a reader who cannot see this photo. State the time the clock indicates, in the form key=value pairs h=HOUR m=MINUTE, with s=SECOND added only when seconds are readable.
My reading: h=7 m=13
